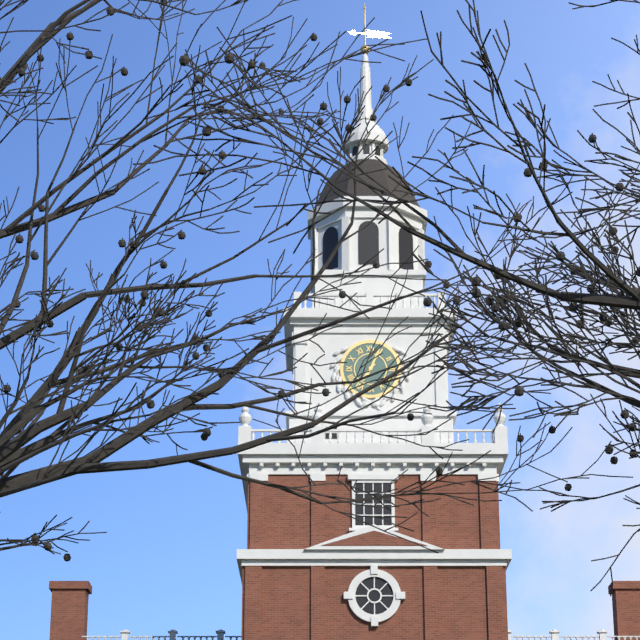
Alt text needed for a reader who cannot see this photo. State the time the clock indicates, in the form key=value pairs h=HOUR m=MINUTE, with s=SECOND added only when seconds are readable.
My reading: h=7 m=4
